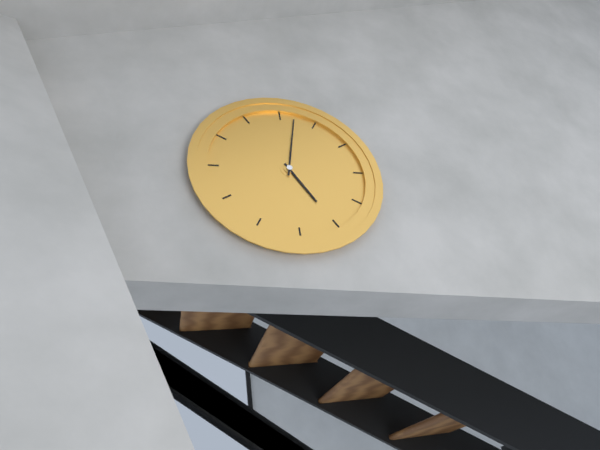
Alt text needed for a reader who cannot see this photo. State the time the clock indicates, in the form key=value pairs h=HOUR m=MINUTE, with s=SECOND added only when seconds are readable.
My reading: h=5 m=2
